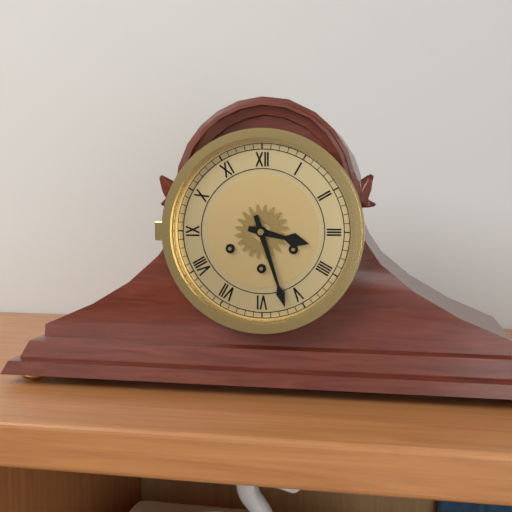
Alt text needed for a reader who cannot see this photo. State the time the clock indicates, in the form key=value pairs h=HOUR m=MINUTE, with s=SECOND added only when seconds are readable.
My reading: h=3 m=27
